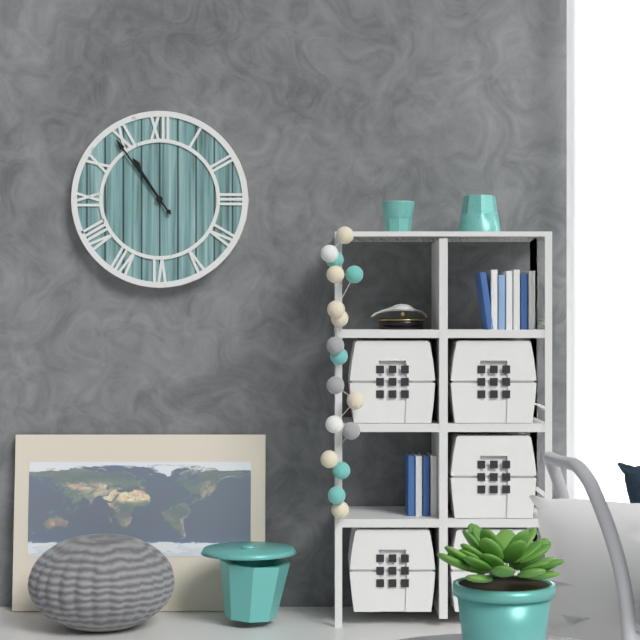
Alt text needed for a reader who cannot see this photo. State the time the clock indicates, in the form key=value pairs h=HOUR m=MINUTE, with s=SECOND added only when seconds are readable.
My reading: h=10 m=54
